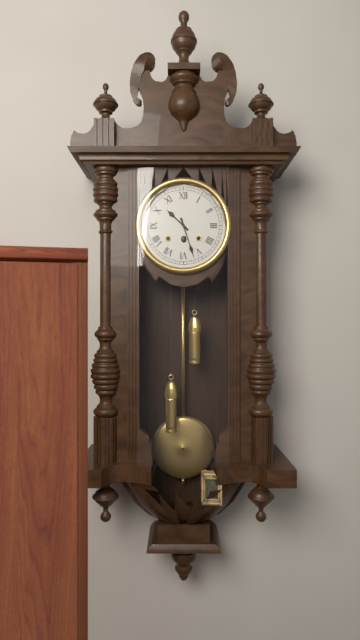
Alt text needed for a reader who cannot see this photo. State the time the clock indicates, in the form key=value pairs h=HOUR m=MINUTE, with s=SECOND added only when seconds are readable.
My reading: h=10 m=27
